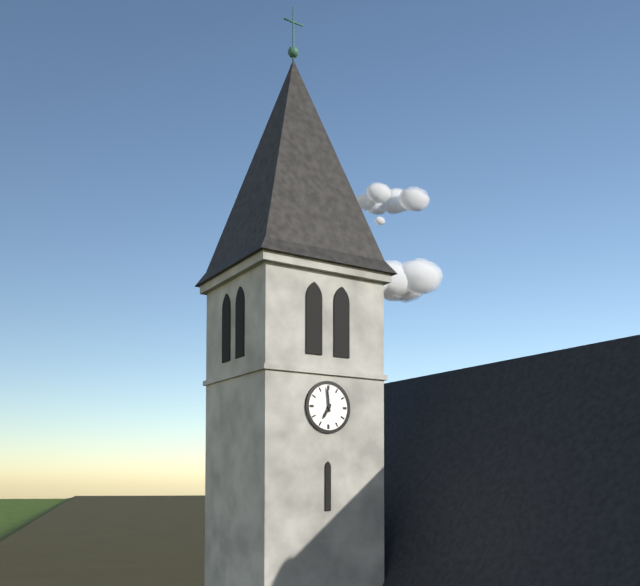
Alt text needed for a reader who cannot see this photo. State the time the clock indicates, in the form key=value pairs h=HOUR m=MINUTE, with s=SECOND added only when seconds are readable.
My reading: h=6 m=59
